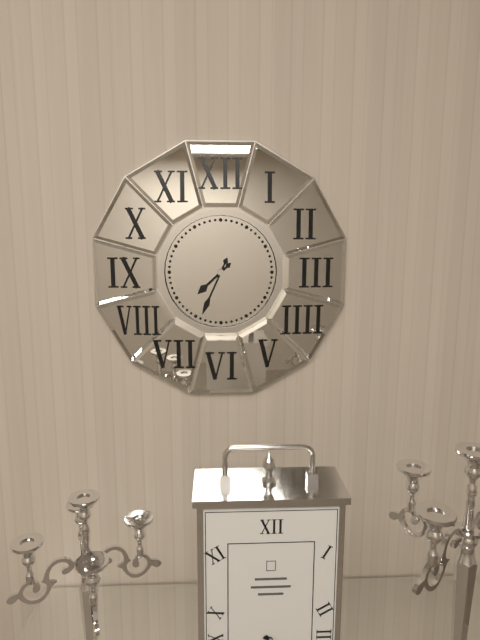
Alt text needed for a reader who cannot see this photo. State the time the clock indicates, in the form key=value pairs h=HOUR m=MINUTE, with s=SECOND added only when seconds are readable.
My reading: h=7 m=34
